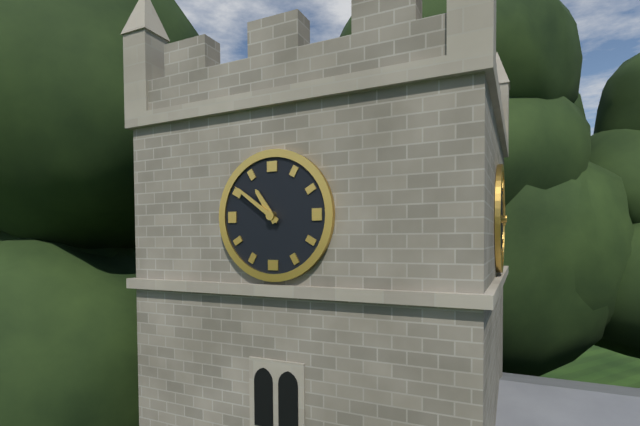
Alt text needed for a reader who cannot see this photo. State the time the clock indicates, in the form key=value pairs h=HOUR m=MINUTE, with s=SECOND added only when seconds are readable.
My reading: h=10 m=51
